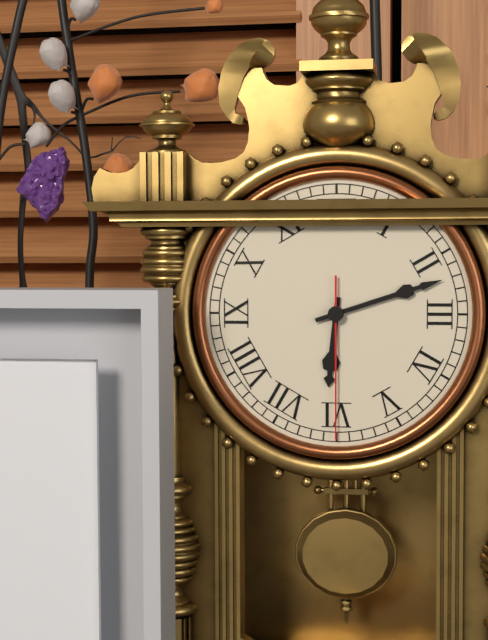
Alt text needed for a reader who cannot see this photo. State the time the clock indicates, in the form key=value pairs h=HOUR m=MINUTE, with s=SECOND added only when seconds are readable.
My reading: h=6 m=12 s=30
